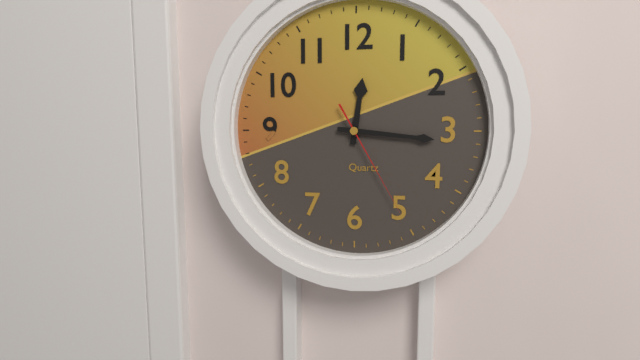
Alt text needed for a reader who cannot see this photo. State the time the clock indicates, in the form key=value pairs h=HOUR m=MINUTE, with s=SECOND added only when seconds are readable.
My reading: h=12 m=16 s=25
